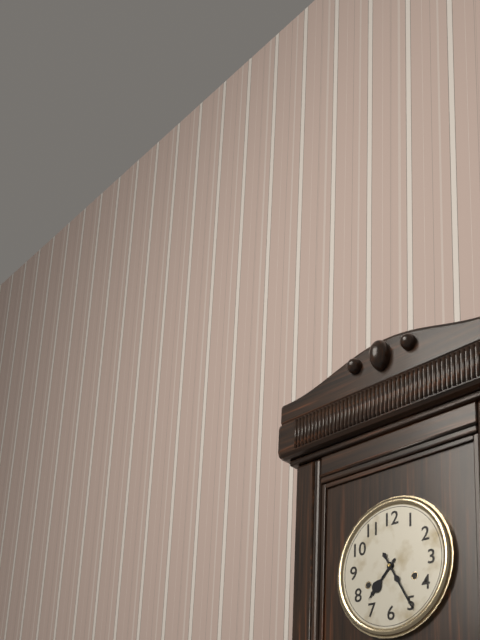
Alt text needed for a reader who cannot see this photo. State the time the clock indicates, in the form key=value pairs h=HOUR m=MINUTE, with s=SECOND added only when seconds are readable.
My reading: h=7 m=25
